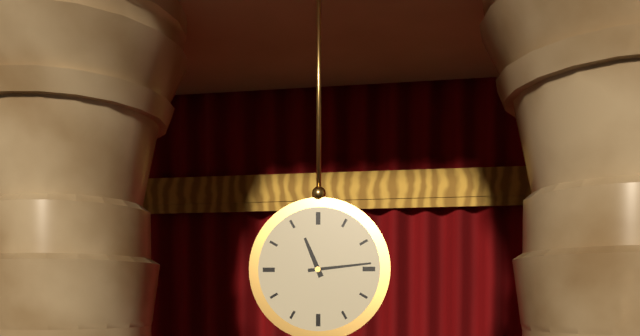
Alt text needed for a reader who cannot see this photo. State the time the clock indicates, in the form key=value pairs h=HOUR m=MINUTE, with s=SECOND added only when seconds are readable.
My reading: h=11 m=14
